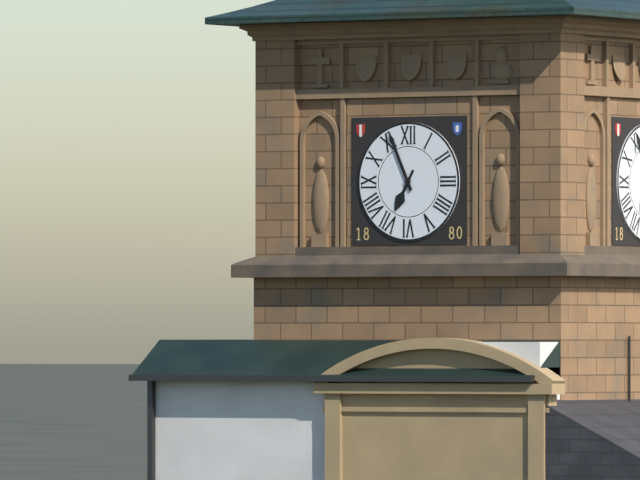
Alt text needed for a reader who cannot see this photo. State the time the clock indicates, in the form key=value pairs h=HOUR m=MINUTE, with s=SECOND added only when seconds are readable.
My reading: h=6 m=56
